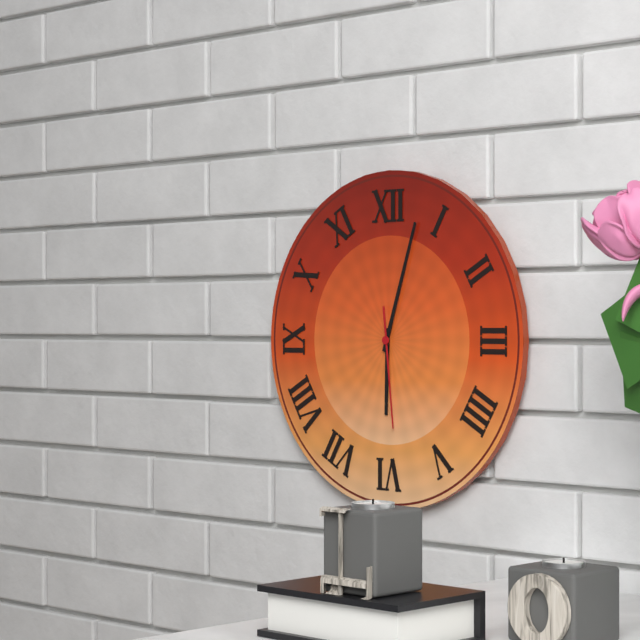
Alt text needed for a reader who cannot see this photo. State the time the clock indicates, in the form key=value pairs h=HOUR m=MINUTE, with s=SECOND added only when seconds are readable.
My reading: h=6 m=3 s=29
